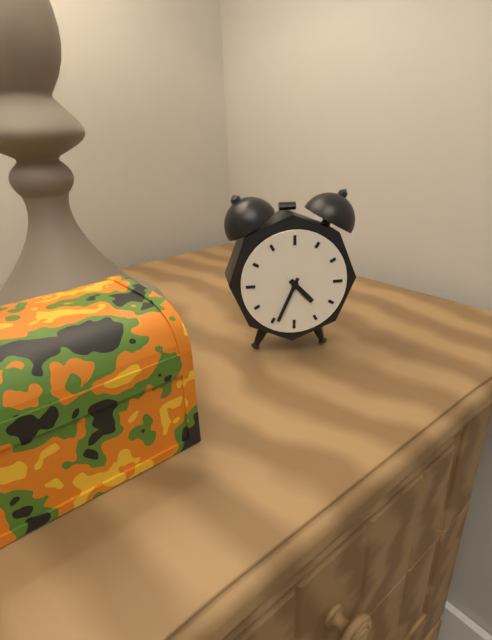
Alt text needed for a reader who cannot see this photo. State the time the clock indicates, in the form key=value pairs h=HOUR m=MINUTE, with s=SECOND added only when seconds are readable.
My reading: h=4 m=34
